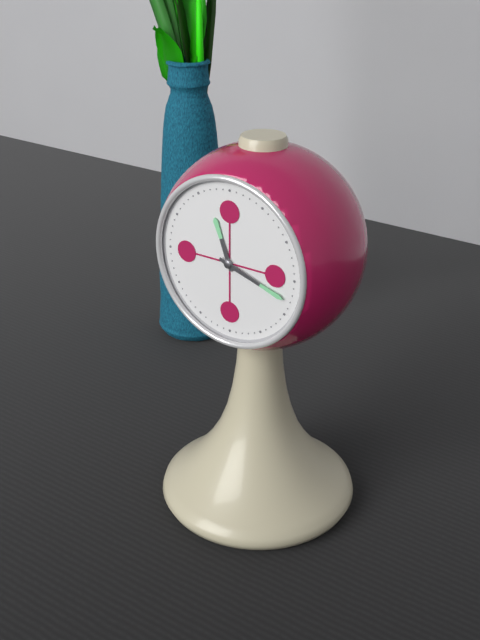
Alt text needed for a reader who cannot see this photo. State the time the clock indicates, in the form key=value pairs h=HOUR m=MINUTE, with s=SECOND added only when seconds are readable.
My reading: h=11 m=18
